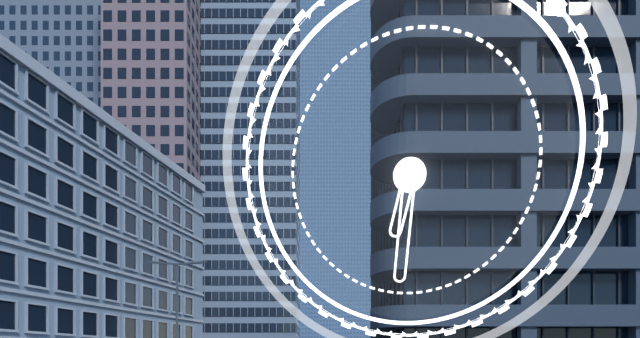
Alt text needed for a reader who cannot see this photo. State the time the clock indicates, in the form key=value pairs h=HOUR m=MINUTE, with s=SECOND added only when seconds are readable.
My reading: h=6 m=31
